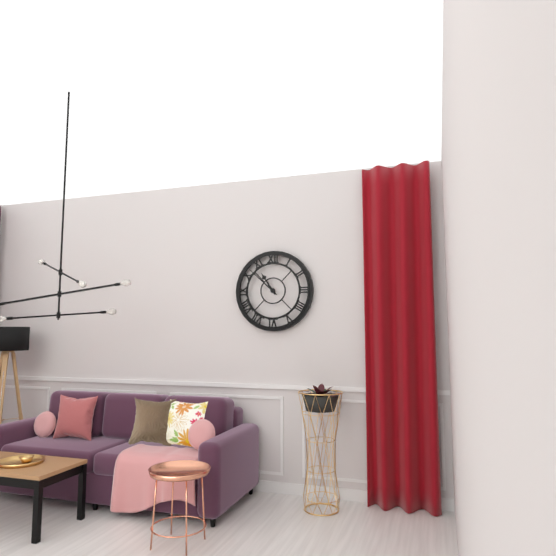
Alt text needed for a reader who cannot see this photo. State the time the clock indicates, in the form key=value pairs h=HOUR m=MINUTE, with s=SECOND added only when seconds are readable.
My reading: h=10 m=52
